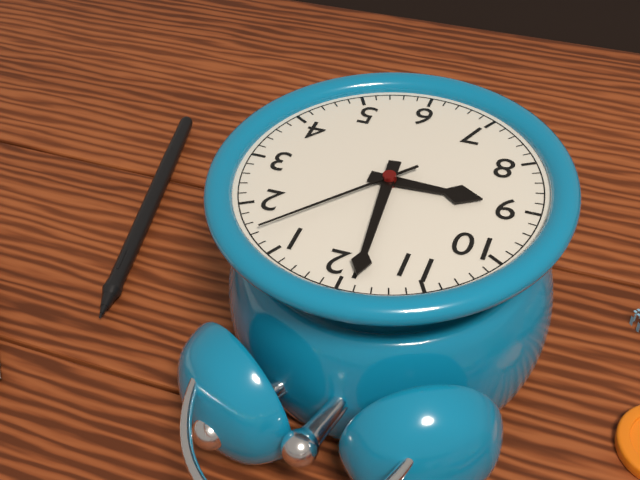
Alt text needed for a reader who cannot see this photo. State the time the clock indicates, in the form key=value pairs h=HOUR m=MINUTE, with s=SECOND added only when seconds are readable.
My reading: h=8 m=59 s=7
